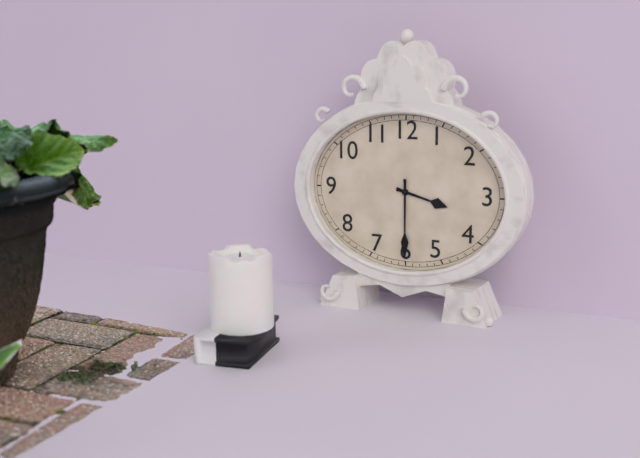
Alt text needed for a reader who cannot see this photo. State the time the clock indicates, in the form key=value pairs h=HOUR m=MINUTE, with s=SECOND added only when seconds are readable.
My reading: h=3 m=30
